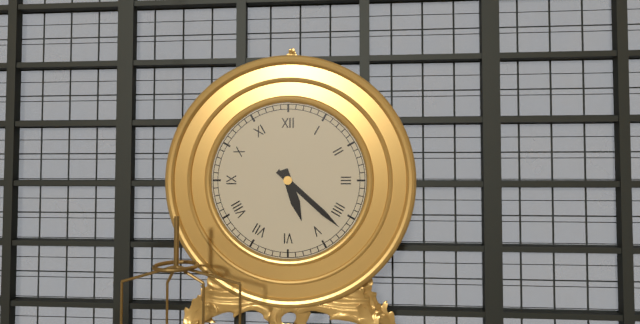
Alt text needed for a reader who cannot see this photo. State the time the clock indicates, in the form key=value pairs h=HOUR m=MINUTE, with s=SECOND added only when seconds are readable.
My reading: h=5 m=22
